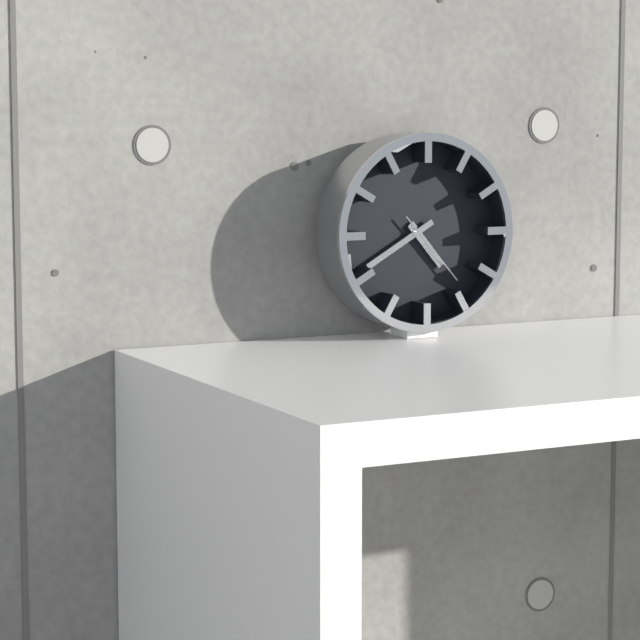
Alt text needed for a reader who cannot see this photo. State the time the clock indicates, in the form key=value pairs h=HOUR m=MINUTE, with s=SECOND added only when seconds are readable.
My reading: h=4 m=40 s=23
